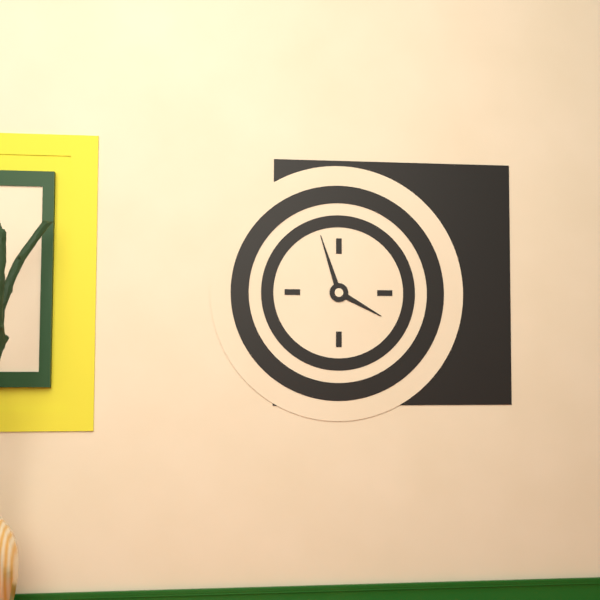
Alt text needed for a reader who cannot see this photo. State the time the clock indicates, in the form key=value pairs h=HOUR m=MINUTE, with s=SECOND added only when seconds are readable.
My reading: h=3 m=57
